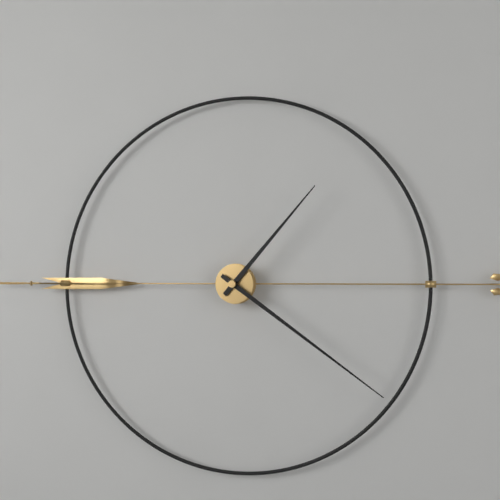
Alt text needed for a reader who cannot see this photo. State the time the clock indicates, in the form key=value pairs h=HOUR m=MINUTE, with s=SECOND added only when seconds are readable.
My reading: h=1 m=21
